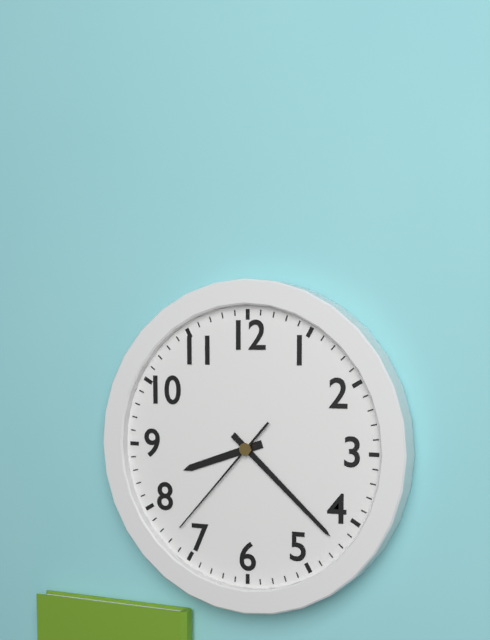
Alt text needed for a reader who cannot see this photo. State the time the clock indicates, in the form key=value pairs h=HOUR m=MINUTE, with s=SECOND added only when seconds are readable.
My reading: h=8 m=22 s=37
